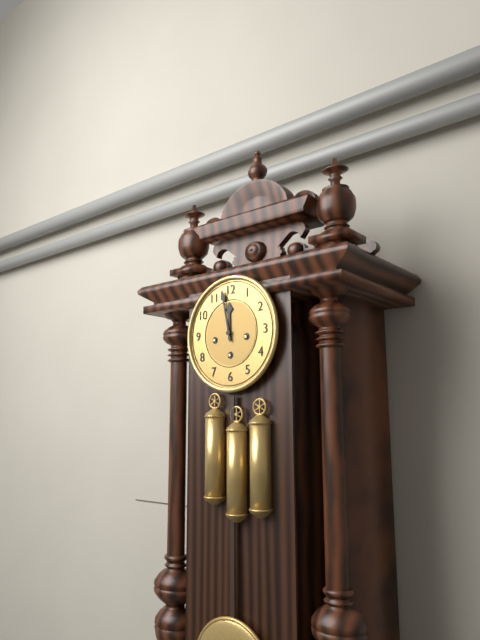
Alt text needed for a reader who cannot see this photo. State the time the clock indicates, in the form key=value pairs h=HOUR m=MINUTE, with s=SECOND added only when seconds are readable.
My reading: h=11 m=58
